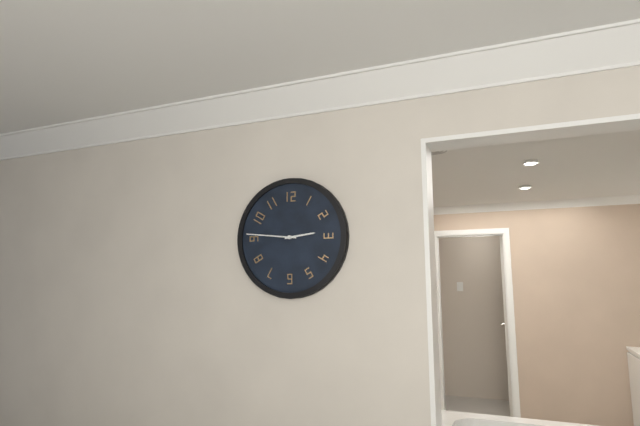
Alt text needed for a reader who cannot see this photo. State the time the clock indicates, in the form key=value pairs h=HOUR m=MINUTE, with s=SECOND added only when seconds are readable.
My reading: h=2 m=46
